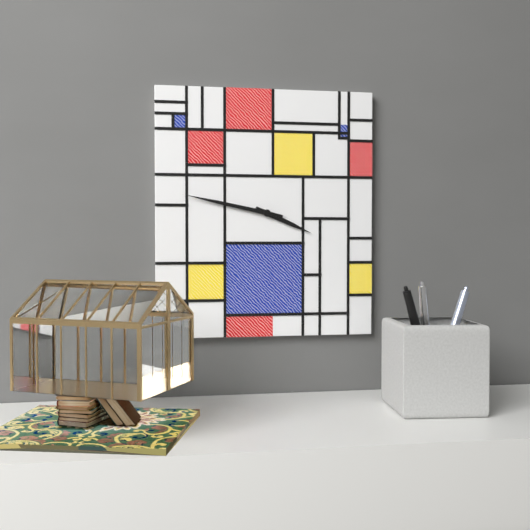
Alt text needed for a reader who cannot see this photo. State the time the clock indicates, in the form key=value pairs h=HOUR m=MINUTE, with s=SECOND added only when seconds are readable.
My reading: h=3 m=47
